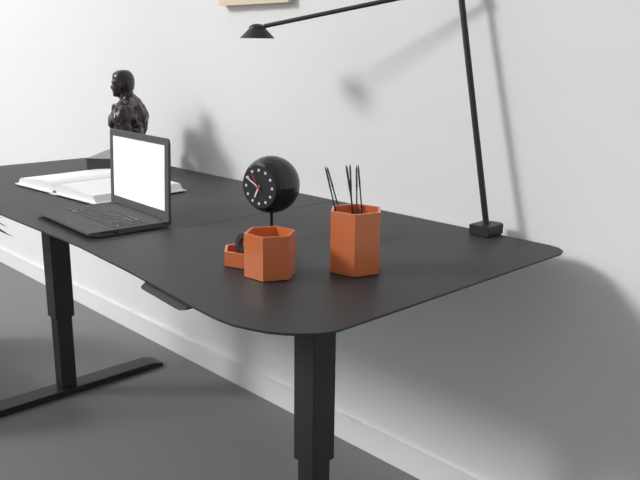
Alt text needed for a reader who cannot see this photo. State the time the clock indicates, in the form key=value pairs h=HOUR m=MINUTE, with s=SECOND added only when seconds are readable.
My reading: h=6 m=50
